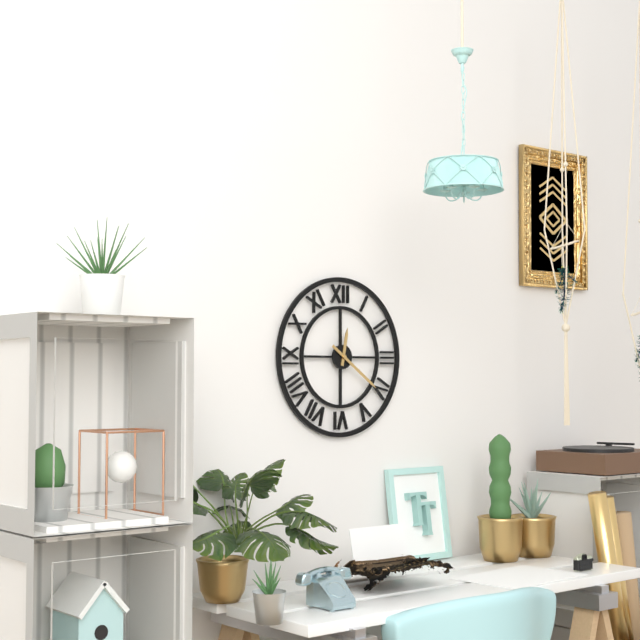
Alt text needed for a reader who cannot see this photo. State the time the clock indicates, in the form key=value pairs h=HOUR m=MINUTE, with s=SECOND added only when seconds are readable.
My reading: h=12 m=21
